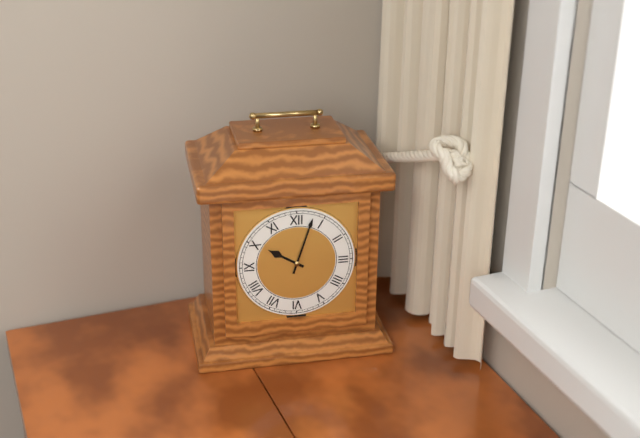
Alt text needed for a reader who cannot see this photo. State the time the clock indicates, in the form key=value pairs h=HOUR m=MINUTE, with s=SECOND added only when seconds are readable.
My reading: h=10 m=3
